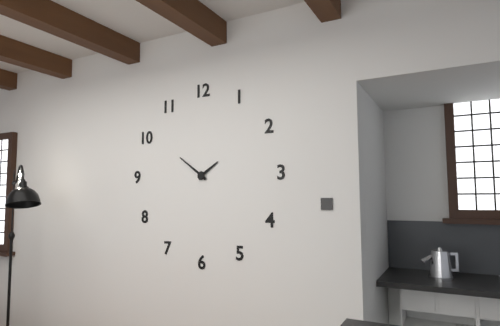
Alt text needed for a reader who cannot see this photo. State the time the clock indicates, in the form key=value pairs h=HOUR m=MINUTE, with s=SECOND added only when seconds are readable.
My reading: h=1 m=51
